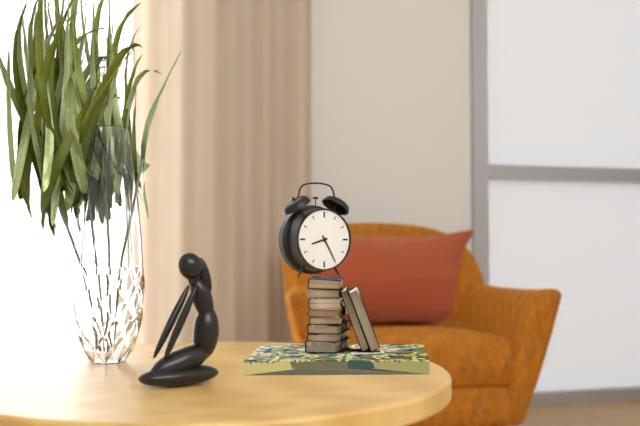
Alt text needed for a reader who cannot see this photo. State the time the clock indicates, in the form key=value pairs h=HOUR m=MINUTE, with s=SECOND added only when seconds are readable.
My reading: h=8 m=25
